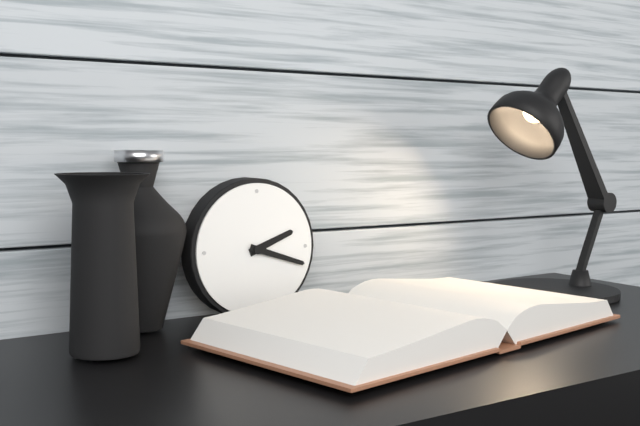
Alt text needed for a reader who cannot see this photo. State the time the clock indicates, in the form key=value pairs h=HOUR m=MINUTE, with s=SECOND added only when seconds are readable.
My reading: h=2 m=18
